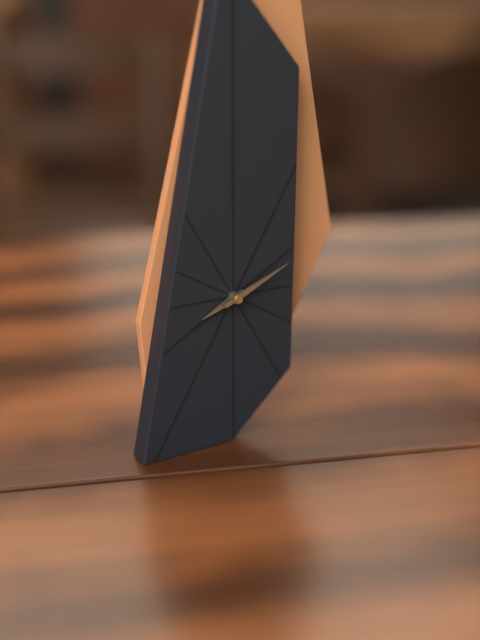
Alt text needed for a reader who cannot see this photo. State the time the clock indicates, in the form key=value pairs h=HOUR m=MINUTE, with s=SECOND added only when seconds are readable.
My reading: h=8 m=11
